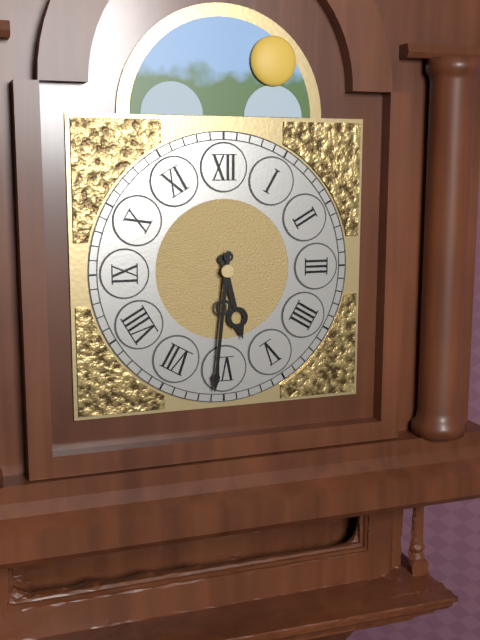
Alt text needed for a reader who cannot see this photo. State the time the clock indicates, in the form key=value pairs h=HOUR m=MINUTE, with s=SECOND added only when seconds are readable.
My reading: h=5 m=31
